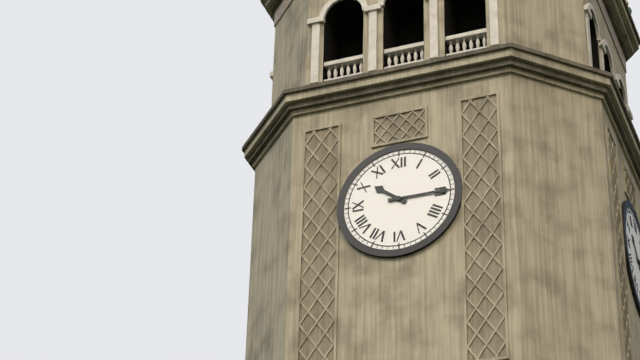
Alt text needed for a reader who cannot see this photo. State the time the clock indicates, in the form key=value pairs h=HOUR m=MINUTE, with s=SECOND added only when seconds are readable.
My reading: h=10 m=15
